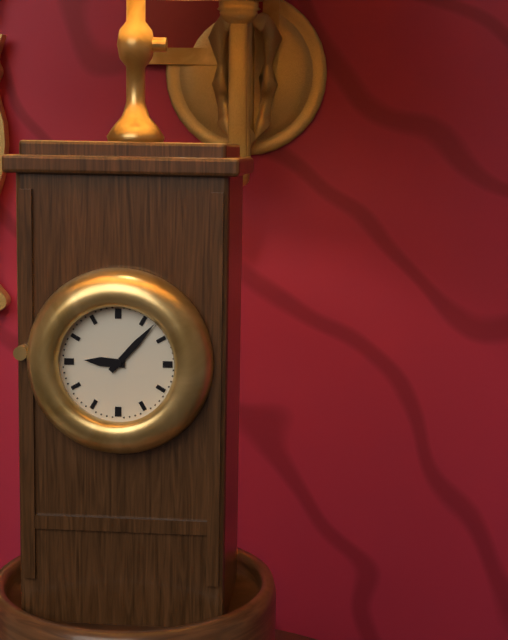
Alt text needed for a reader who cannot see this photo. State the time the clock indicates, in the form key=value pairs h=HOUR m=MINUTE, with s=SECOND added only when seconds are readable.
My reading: h=9 m=7
